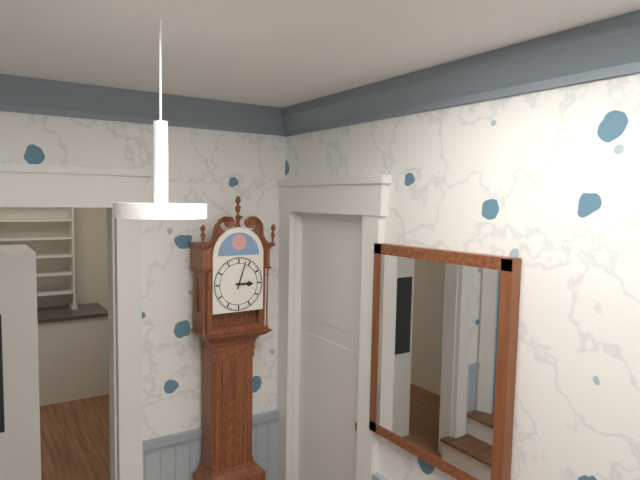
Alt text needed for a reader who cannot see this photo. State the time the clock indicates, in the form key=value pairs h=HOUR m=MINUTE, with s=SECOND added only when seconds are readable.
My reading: h=3 m=3
